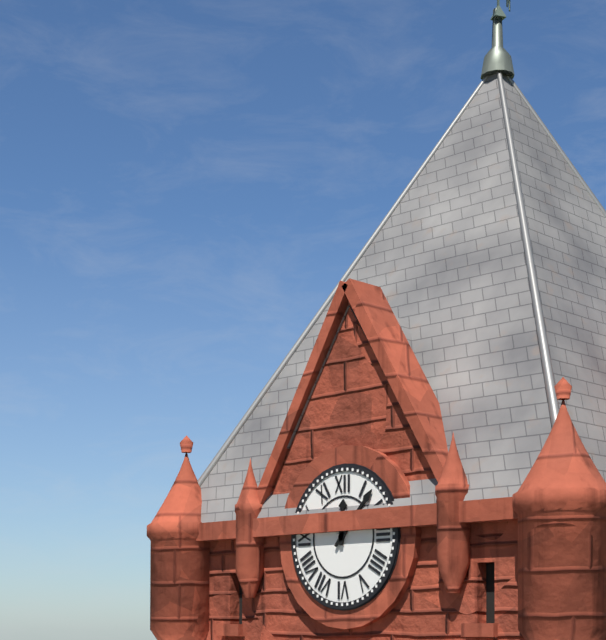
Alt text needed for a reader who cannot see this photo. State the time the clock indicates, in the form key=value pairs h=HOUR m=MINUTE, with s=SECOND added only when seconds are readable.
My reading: h=12 m=7
